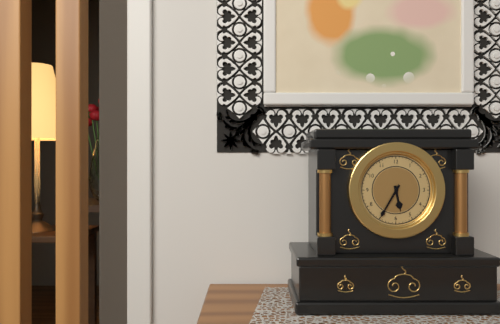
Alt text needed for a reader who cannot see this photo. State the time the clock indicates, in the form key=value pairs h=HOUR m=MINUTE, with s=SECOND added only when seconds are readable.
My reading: h=5 m=35
